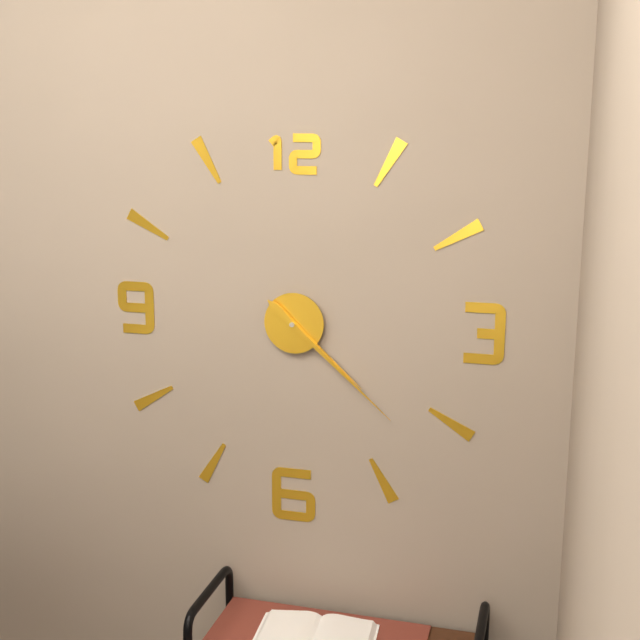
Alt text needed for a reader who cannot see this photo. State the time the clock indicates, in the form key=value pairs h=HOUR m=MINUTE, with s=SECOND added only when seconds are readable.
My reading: h=4 m=22
